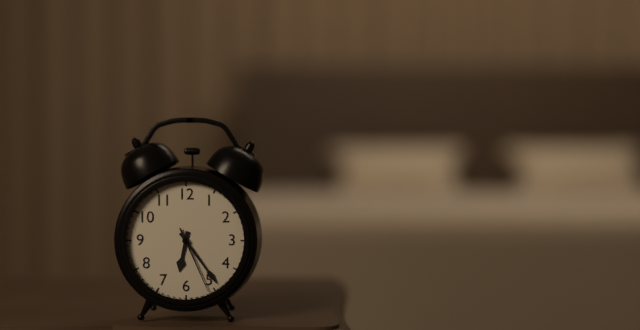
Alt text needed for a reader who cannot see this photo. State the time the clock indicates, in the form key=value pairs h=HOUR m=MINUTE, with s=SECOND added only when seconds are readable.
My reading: h=6 m=24 s=26
